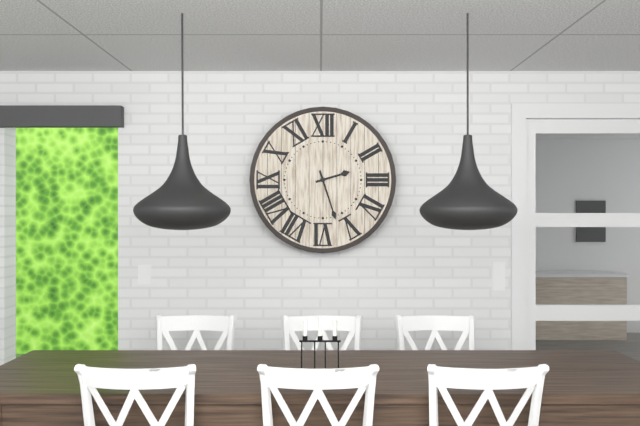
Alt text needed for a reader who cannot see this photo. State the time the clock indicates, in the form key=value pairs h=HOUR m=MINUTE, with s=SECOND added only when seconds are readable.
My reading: h=2 m=27
